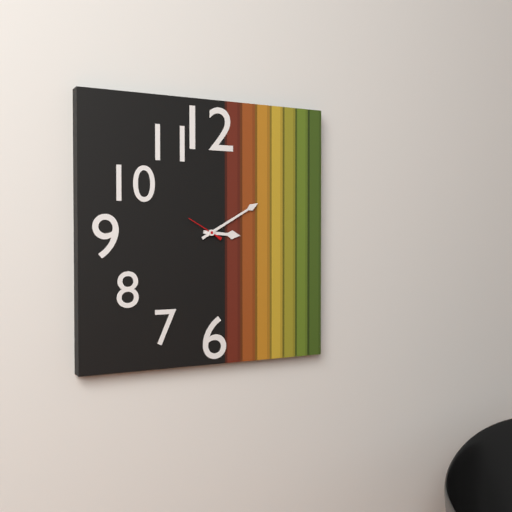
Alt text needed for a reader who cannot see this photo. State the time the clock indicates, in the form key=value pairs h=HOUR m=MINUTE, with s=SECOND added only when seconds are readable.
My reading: h=3 m=10
